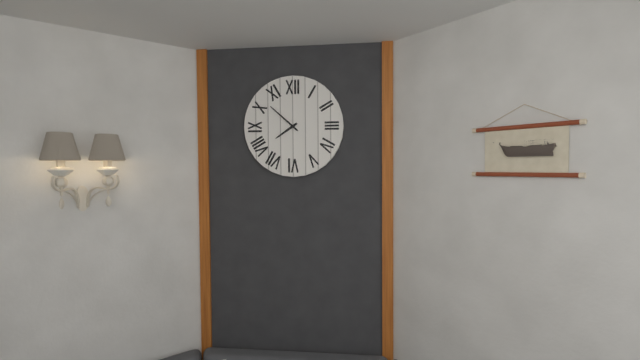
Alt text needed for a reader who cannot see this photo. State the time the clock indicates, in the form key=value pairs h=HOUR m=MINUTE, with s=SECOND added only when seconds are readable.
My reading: h=7 m=52
